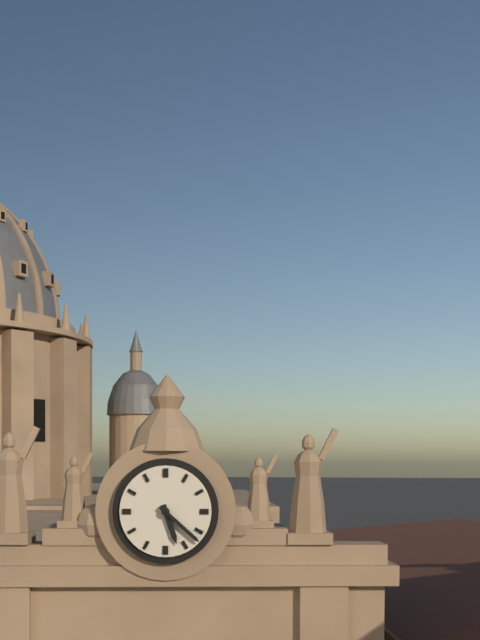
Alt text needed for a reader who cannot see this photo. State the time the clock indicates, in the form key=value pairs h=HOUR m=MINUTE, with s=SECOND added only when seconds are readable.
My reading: h=5 m=22
